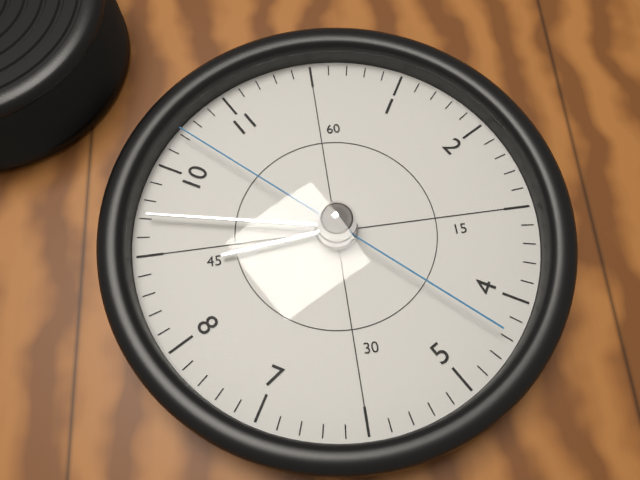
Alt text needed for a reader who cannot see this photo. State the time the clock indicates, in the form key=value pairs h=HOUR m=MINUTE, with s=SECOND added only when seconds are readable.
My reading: h=8 m=47 s=52
